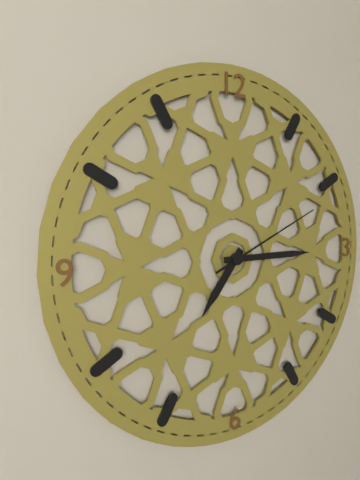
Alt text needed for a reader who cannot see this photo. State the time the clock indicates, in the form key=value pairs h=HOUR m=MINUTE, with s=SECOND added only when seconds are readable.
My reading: h=7 m=15 s=11
